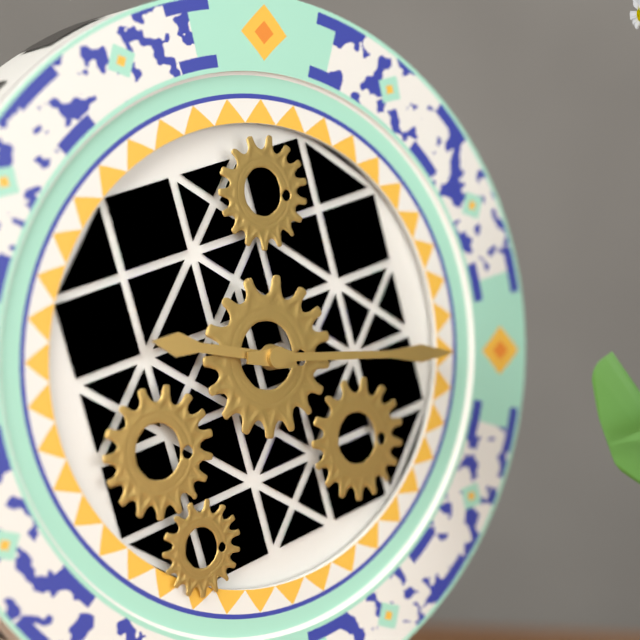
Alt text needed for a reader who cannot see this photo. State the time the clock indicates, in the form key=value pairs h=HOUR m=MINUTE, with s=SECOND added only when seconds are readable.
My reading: h=9 m=15
